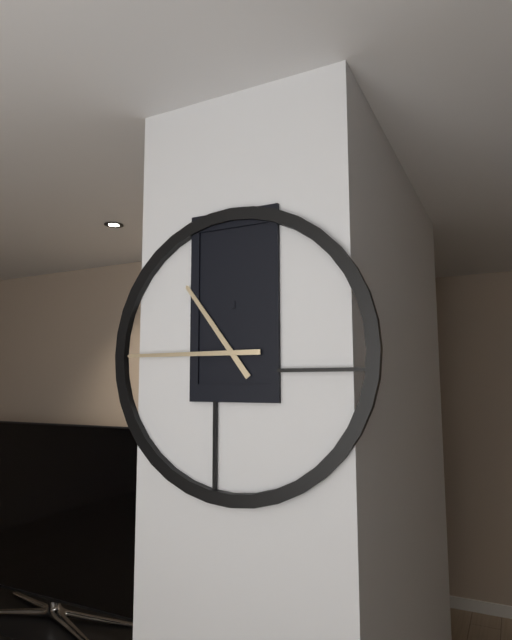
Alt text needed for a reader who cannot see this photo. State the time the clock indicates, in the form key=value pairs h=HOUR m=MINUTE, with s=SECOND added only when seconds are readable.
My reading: h=10 m=45
